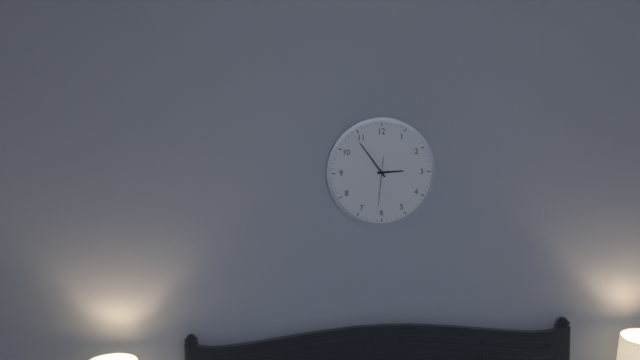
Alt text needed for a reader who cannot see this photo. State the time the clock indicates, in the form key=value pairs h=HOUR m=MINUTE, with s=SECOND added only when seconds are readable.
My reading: h=2 m=54
